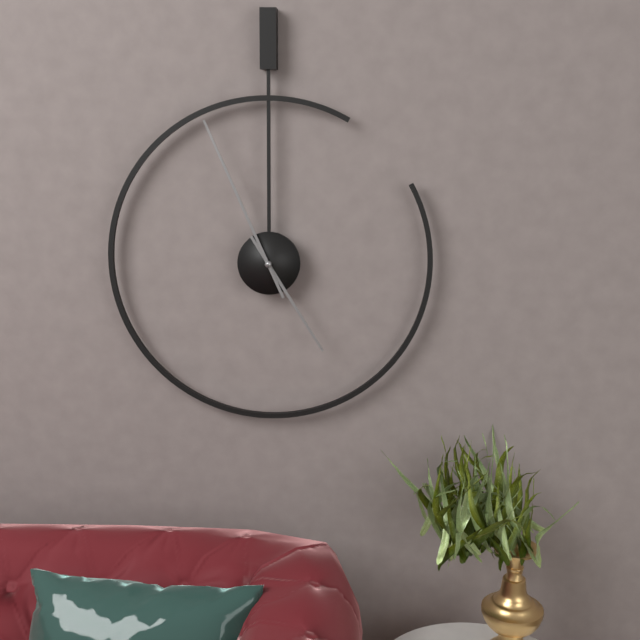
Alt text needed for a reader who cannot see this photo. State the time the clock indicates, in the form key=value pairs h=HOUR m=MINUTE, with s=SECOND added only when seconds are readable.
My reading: h=4 m=56
